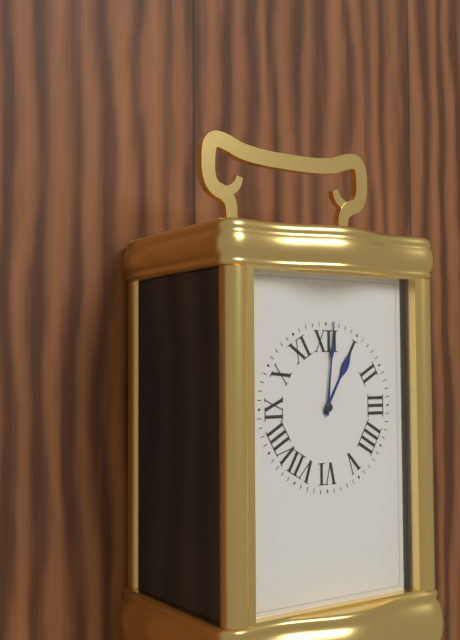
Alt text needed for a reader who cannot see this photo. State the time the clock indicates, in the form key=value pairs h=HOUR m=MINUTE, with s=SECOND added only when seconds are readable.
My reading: h=1 m=1
